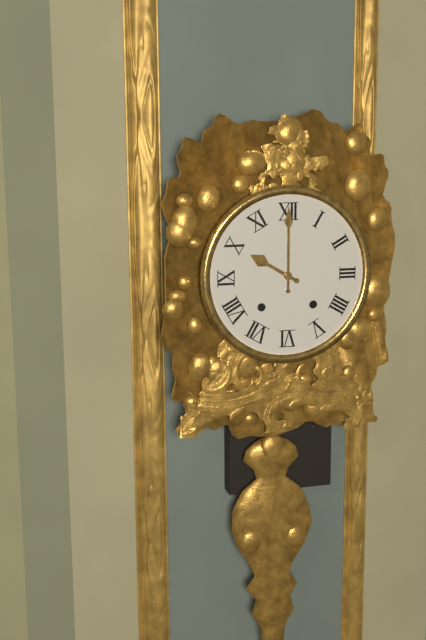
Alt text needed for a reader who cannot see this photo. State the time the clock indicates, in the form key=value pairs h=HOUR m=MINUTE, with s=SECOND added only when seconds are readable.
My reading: h=10 m=0
